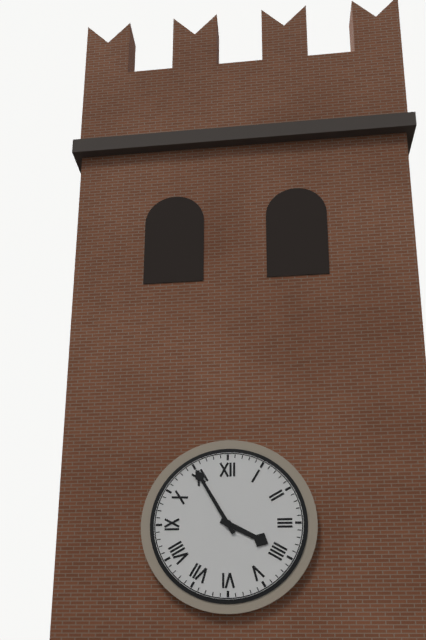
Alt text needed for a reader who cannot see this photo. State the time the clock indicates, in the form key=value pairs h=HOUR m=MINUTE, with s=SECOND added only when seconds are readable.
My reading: h=3 m=55
